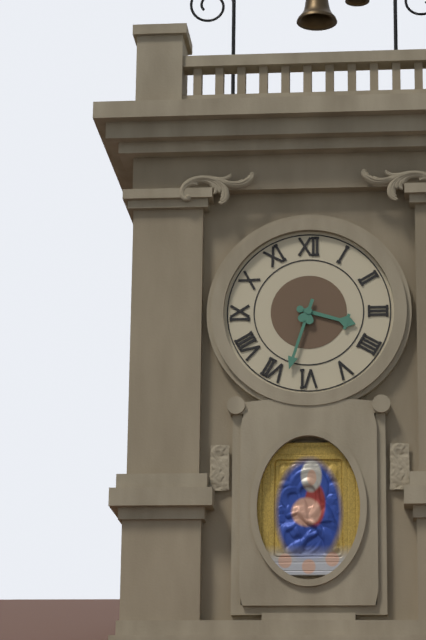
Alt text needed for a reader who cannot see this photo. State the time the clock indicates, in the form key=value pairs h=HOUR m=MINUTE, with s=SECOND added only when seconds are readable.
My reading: h=3 m=33
